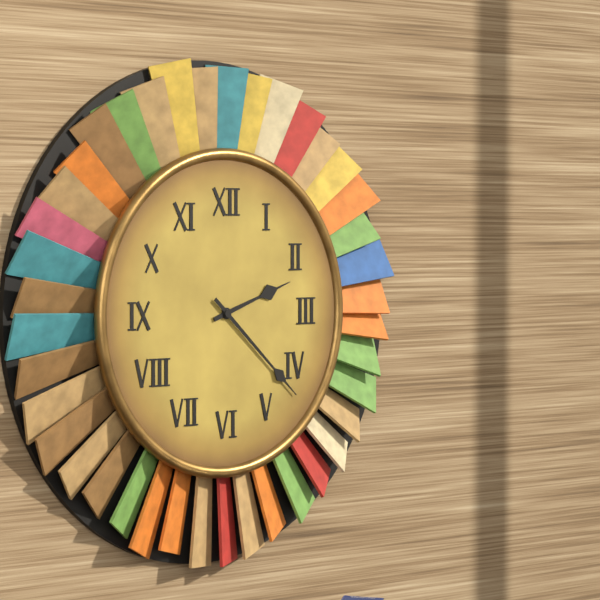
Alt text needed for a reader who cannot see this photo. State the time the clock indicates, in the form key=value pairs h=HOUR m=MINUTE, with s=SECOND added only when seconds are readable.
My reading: h=2 m=22
